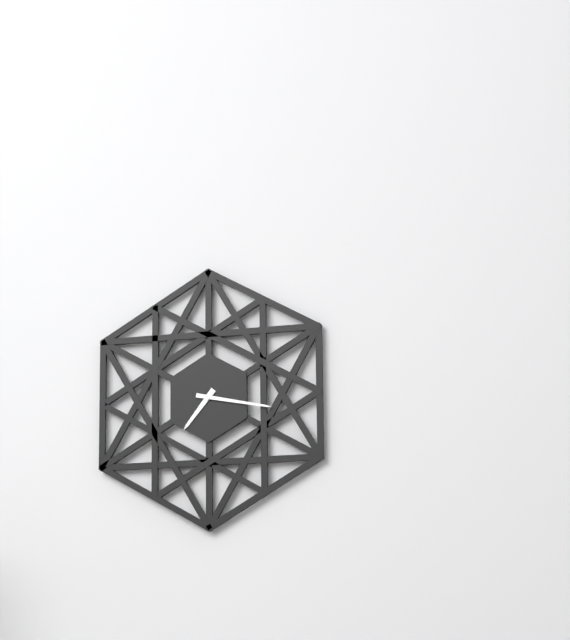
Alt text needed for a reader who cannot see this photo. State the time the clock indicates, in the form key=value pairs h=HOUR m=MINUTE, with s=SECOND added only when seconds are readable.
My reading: h=7 m=17
